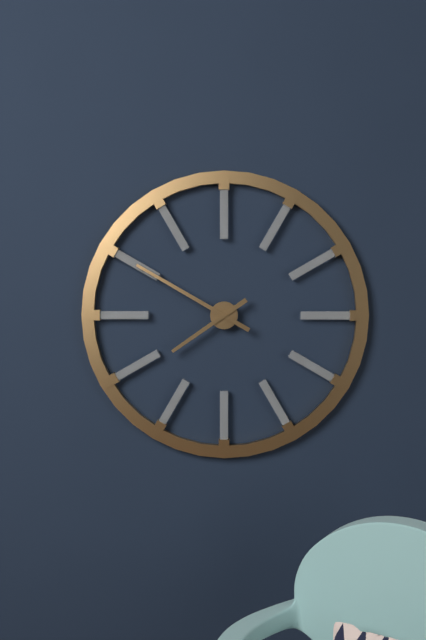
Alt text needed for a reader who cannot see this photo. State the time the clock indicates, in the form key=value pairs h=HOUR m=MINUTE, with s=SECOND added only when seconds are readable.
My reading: h=7 m=50
